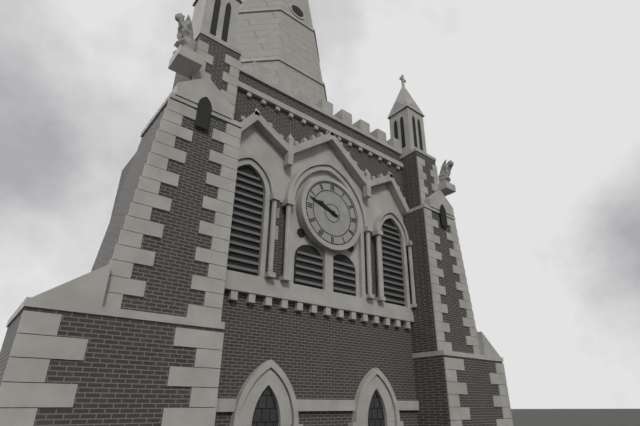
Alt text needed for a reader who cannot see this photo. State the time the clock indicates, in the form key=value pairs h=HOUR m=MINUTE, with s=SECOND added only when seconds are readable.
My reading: h=9 m=48
